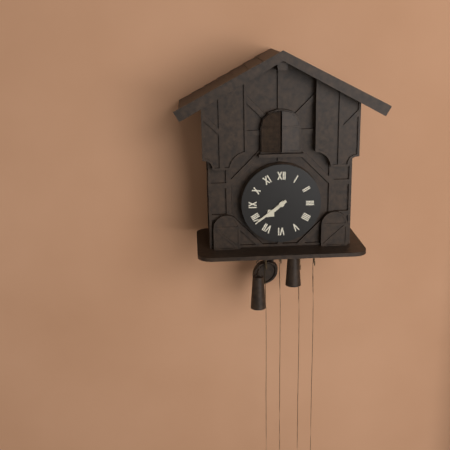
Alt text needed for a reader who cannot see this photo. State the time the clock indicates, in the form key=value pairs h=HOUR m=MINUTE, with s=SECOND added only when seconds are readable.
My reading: h=7 m=39
